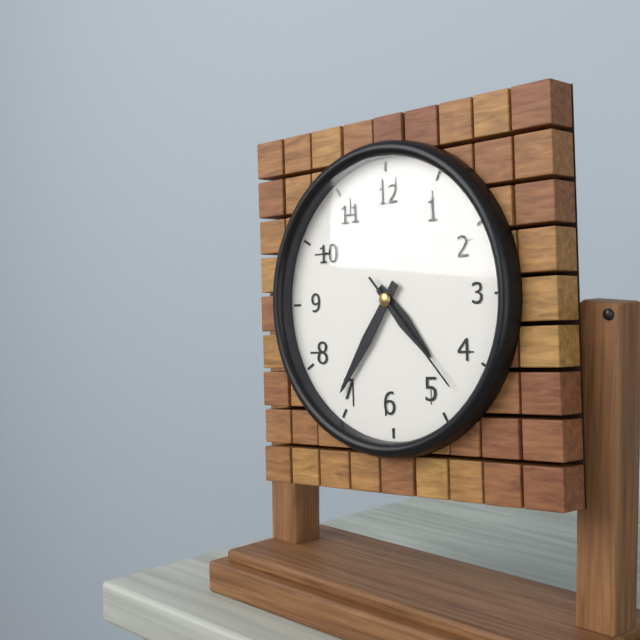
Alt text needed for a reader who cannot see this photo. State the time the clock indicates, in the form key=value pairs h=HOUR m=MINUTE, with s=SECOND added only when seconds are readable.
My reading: h=4 m=36 s=23
